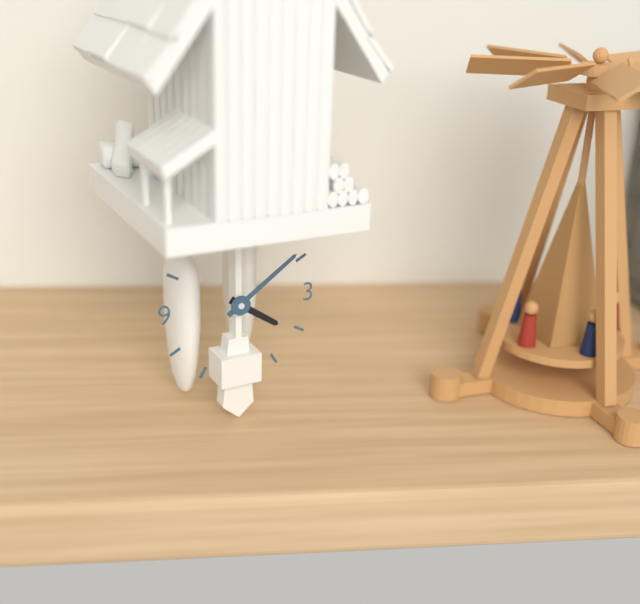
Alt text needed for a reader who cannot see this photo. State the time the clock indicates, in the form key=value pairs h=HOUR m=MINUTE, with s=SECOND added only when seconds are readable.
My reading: h=4 m=9
